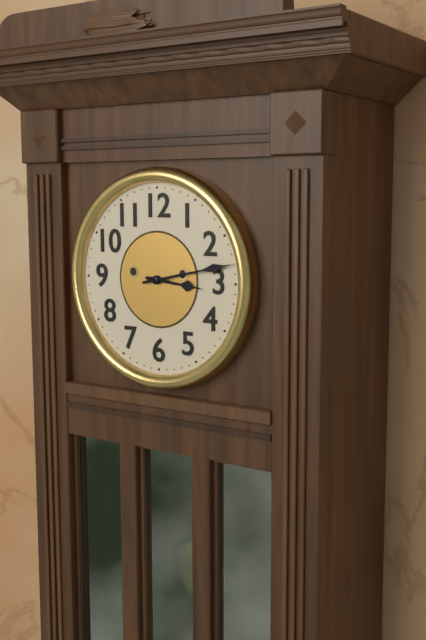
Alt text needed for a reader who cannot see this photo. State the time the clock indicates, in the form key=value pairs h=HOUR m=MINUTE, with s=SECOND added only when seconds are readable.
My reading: h=3 m=13
